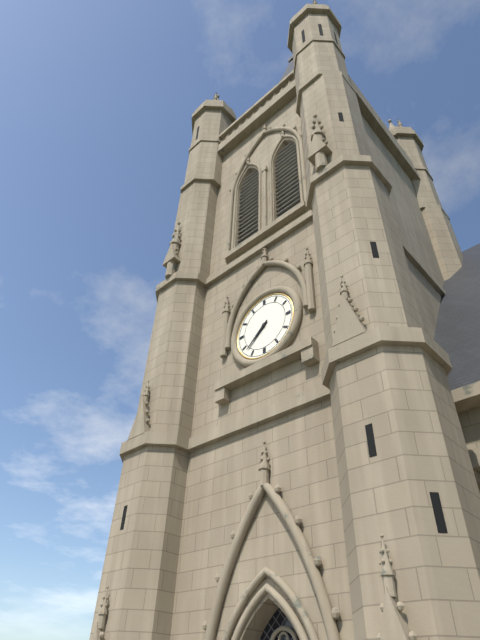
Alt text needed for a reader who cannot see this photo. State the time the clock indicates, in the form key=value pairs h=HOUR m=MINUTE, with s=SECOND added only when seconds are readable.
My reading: h=7 m=38
